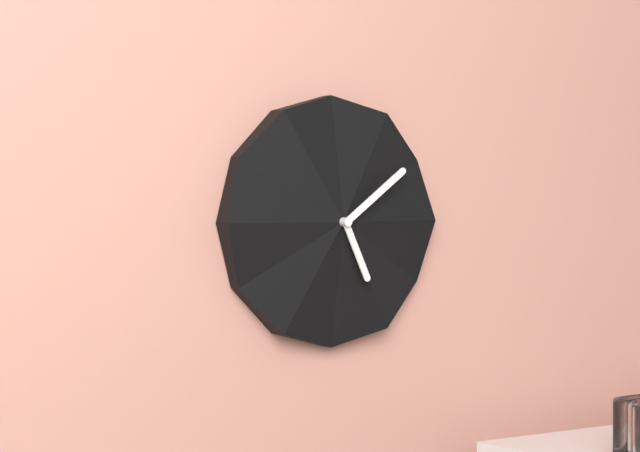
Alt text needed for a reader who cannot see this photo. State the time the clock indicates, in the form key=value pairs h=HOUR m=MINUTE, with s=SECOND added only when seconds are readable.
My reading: h=5 m=9
